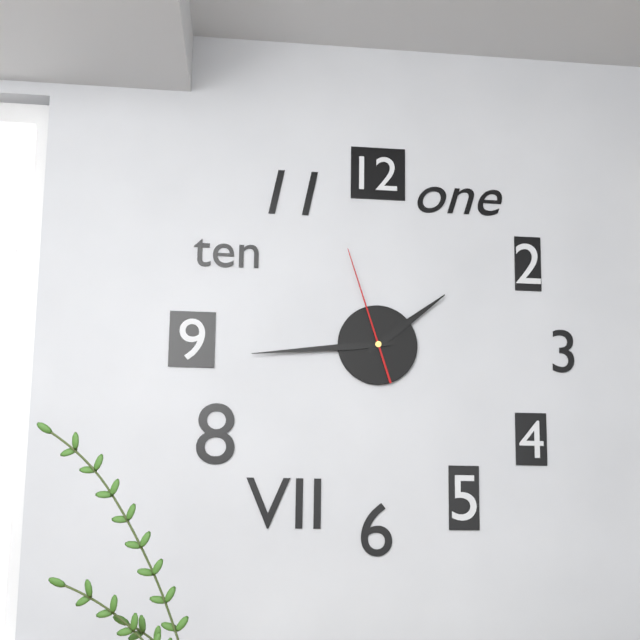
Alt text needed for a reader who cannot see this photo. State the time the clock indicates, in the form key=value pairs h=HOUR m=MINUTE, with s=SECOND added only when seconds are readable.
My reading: h=1 m=44 s=57
